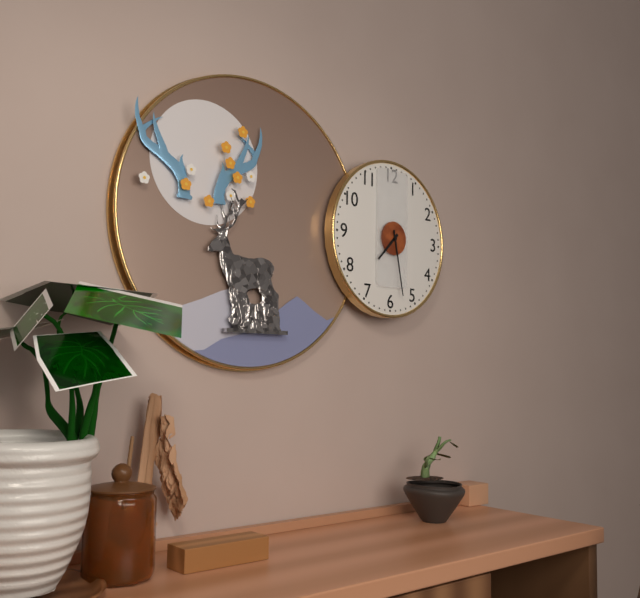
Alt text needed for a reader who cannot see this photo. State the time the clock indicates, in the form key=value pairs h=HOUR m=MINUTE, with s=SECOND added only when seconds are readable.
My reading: h=7 m=28
